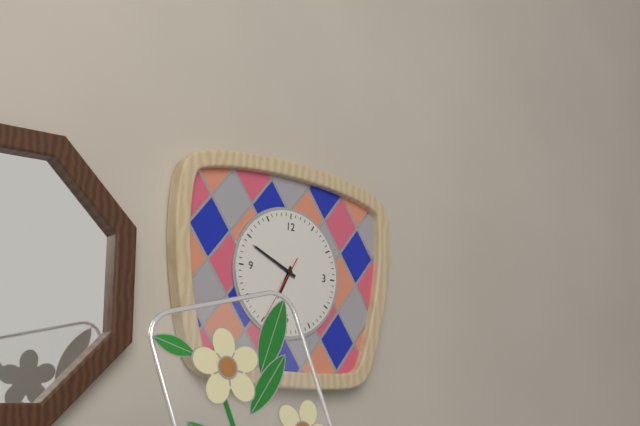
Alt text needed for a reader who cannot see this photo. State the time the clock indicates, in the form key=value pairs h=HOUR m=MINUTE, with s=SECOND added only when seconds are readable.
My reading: h=6 m=49 s=35
